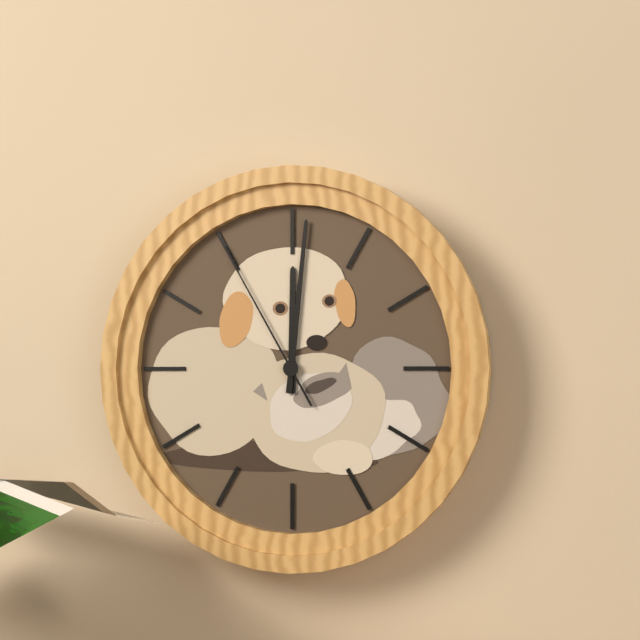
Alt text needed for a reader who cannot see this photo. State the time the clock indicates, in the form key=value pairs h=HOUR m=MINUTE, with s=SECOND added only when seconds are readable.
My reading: h=12 m=1 s=55
